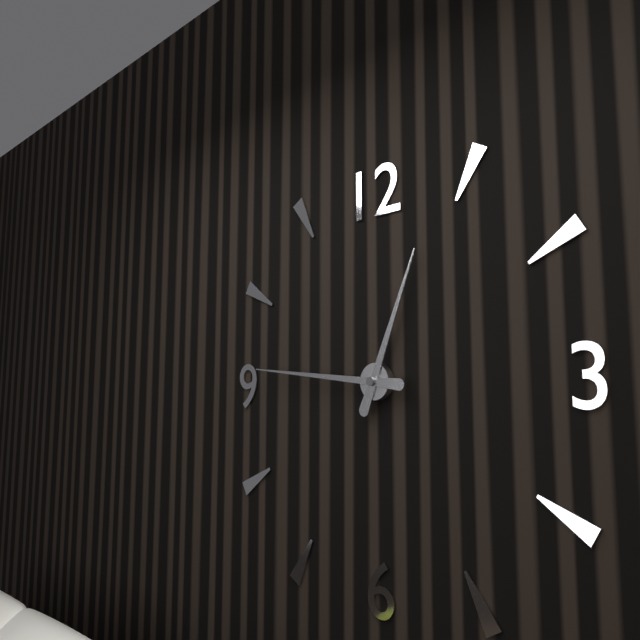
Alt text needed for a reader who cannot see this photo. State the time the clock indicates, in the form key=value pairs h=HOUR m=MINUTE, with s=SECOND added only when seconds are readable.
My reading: h=12 m=46
